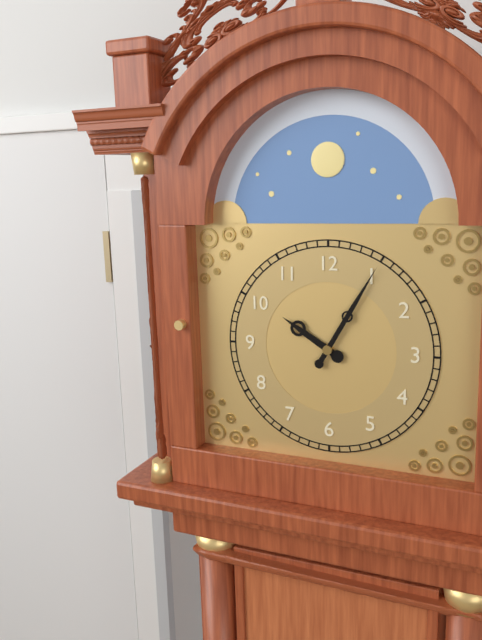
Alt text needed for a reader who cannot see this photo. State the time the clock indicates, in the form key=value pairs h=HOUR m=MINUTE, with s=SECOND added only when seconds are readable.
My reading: h=10 m=5
